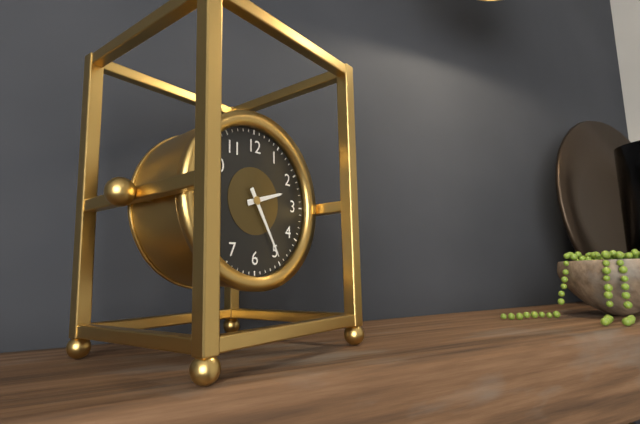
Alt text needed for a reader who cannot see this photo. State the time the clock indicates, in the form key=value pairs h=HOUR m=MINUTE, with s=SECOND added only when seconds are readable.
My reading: h=2 m=25
